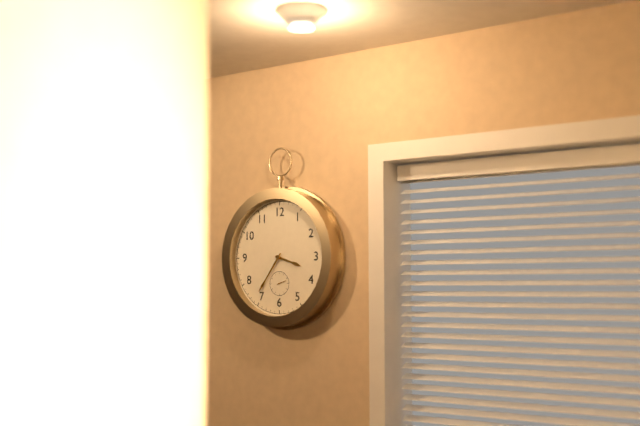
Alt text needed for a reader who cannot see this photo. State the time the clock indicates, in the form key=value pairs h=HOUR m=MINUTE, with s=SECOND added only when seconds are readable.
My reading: h=3 m=36
